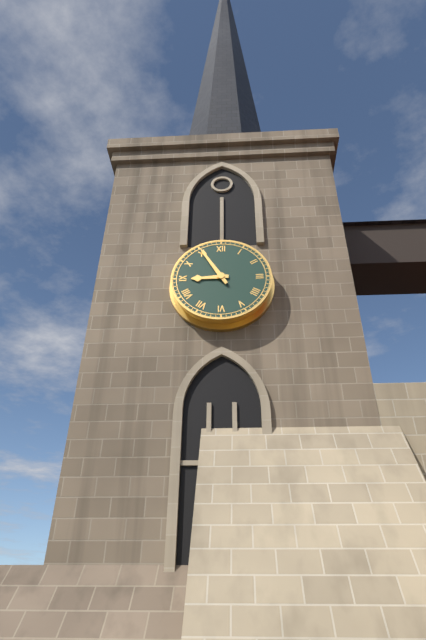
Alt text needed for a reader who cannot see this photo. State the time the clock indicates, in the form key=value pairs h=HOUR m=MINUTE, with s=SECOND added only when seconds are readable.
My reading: h=8 m=55
